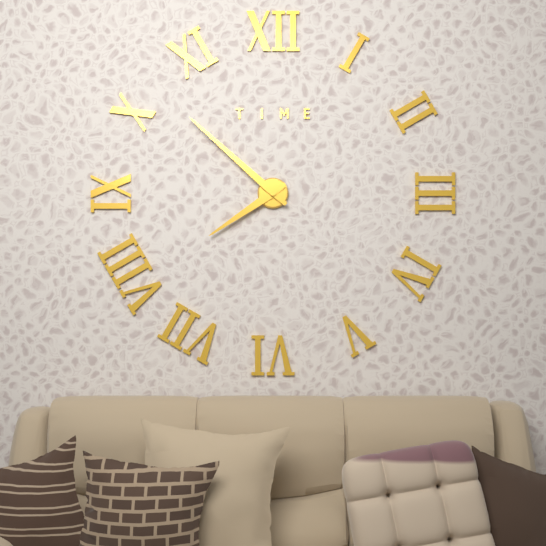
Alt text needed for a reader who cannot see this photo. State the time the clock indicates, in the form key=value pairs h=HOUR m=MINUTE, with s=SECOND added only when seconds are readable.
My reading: h=7 m=52
